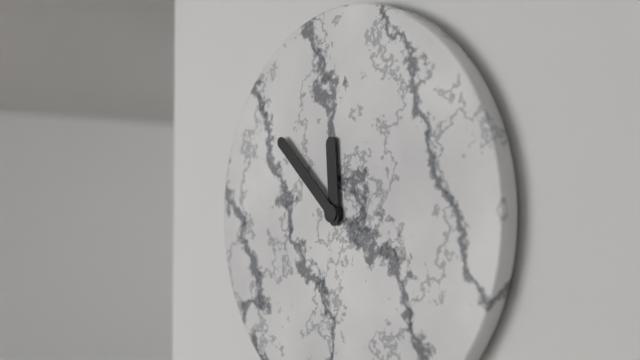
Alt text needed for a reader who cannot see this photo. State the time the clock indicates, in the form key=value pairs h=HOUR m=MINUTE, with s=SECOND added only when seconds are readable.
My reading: h=11 m=52
